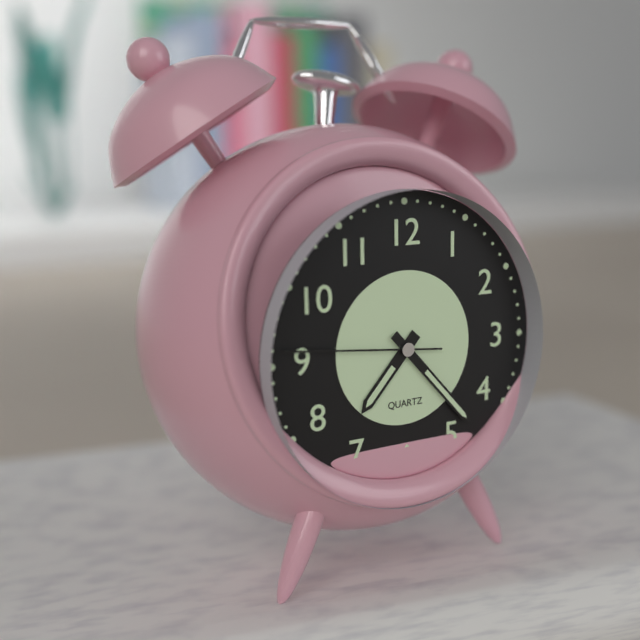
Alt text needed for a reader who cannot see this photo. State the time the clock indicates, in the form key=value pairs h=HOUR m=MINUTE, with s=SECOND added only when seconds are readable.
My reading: h=7 m=23 s=46
